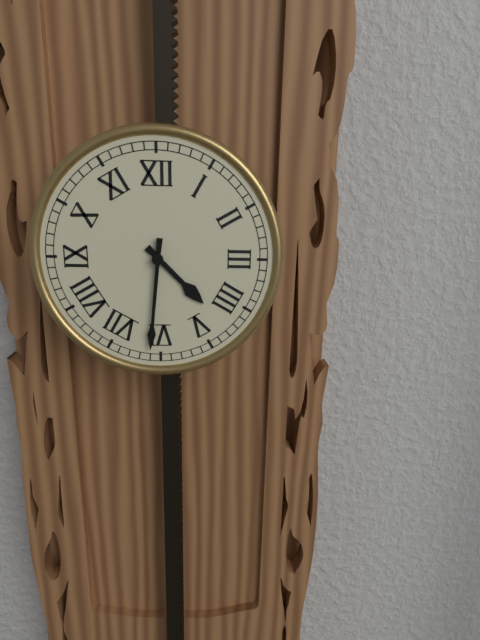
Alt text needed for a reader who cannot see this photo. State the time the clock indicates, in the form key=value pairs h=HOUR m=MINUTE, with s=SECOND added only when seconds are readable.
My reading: h=4 m=31
